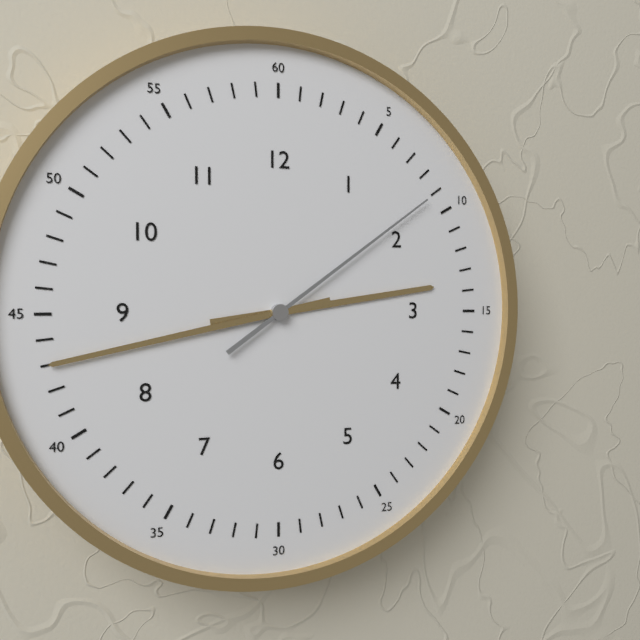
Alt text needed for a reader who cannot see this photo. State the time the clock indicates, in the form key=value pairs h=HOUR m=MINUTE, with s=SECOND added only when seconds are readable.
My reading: h=2 m=43 s=9
